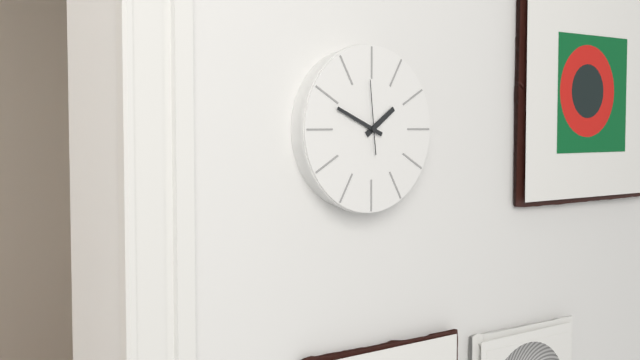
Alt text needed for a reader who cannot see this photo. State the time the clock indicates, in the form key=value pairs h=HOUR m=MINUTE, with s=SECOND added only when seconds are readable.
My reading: h=1 m=49 s=59
